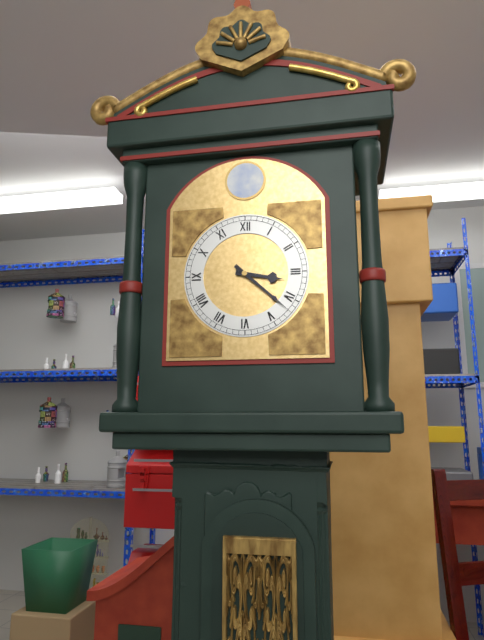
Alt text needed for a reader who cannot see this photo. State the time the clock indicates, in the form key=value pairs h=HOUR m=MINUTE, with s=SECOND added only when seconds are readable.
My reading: h=3 m=22
